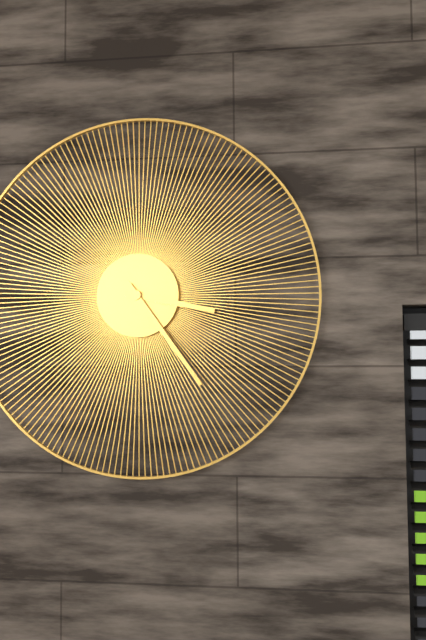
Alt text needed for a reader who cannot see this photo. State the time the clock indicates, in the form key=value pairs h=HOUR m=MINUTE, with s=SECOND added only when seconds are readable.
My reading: h=3 m=24
